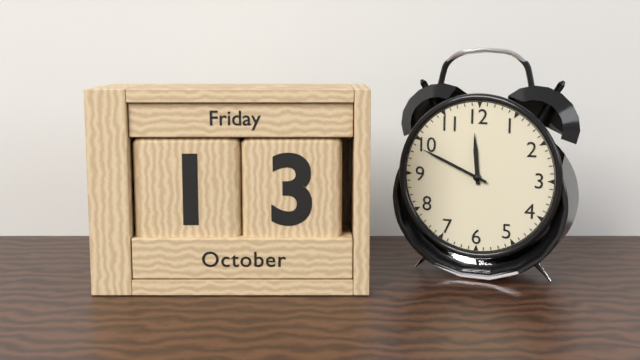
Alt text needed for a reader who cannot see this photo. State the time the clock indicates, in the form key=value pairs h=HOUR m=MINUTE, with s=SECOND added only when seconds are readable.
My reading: h=11 m=49
